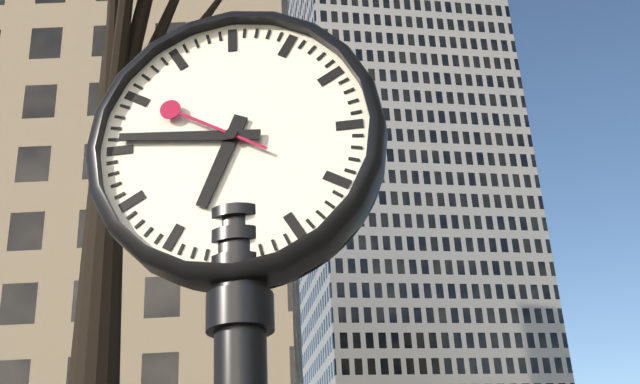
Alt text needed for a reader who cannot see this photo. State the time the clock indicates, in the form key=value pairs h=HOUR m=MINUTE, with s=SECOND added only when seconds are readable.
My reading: h=6 m=46 s=50
